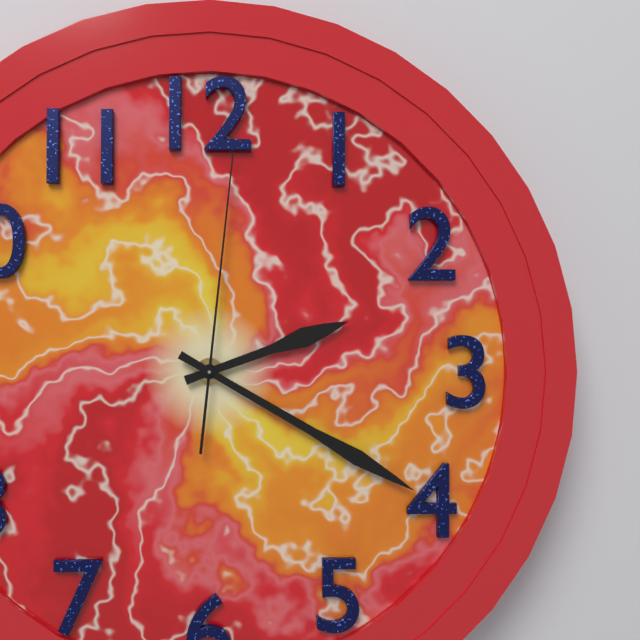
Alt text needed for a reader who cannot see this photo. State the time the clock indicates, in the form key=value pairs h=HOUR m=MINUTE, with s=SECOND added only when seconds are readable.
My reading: h=2 m=20 s=1
